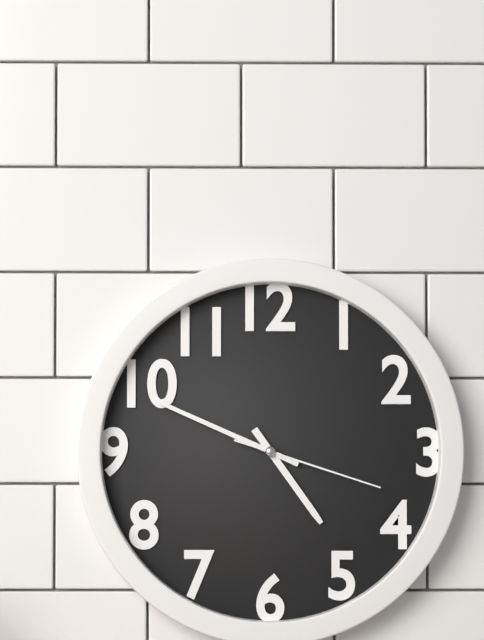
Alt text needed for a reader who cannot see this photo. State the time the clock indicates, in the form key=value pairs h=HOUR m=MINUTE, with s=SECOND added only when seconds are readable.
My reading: h=4 m=49 s=18
